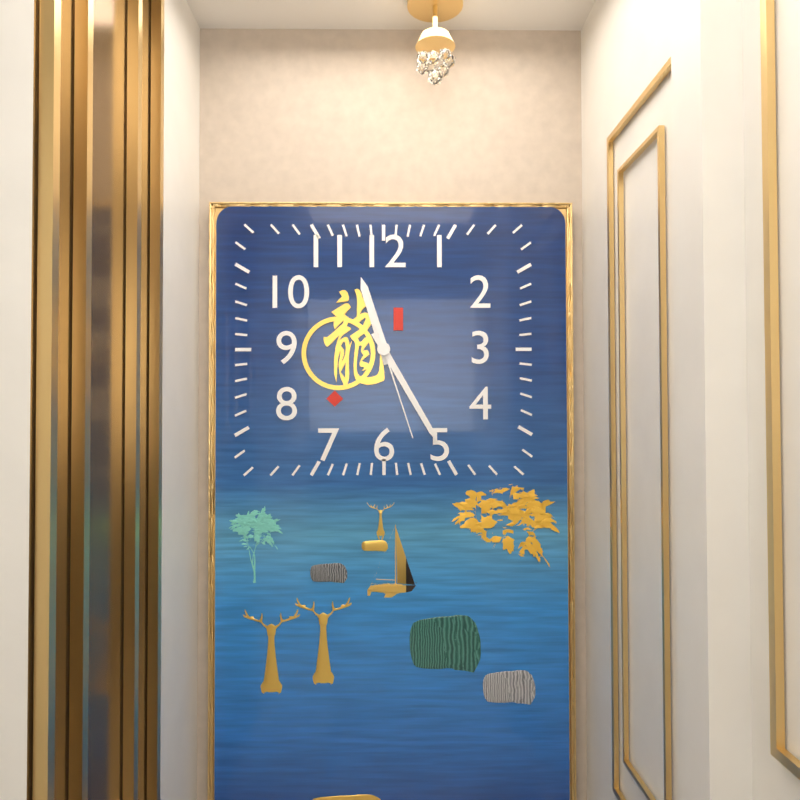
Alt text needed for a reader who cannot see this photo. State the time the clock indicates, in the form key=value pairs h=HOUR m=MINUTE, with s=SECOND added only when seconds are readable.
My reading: h=11 m=25 s=27
